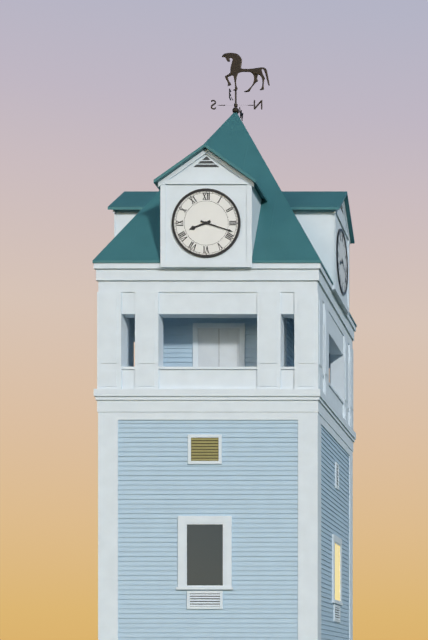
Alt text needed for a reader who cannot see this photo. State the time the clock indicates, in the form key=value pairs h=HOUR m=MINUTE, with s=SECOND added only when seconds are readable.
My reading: h=8 m=18
